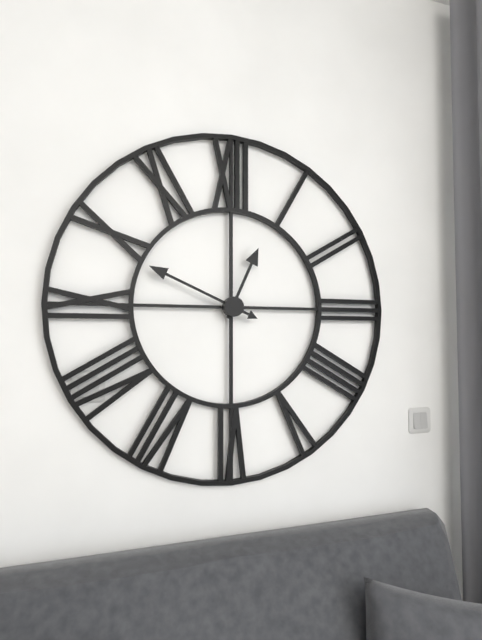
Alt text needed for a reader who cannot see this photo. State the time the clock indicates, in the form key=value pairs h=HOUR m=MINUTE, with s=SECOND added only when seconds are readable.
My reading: h=12 m=49
